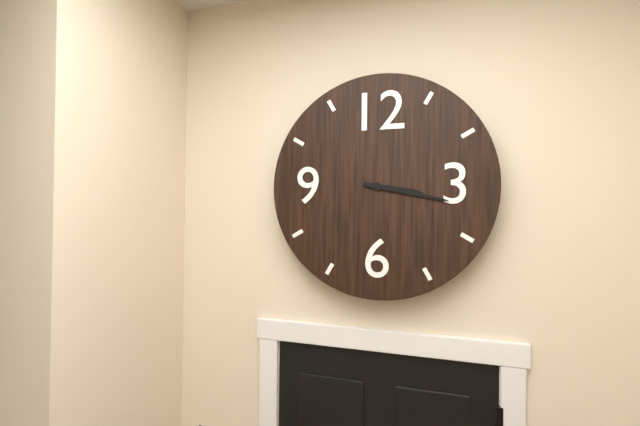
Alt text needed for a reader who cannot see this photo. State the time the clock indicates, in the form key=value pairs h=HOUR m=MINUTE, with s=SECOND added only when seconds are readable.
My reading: h=3 m=17
